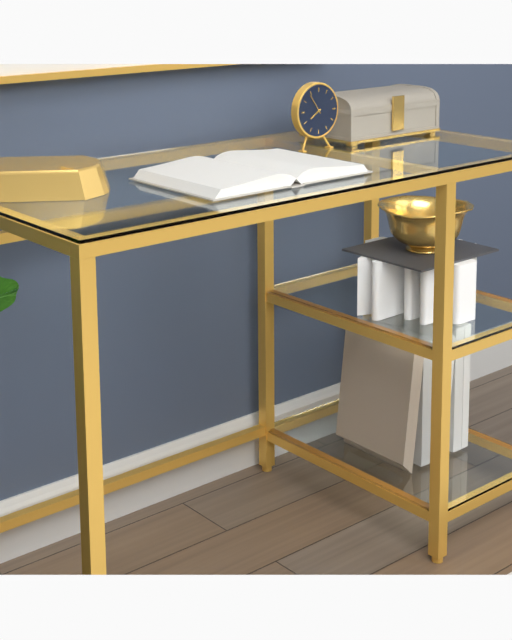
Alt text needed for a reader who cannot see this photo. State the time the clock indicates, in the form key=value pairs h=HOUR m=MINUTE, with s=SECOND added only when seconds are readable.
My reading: h=7 m=54
